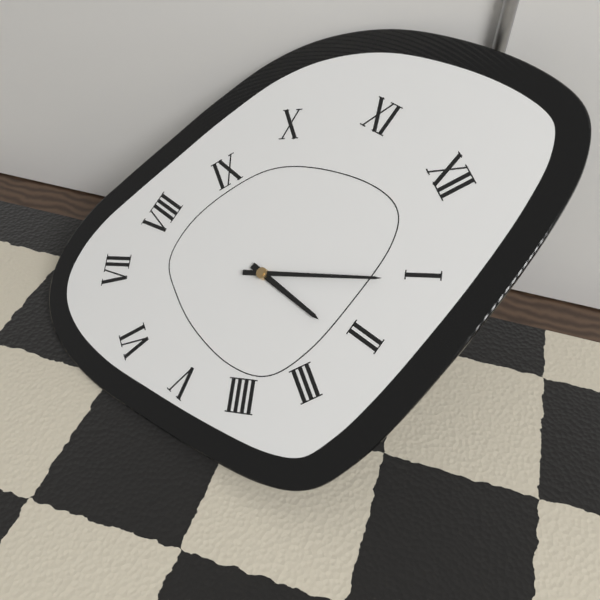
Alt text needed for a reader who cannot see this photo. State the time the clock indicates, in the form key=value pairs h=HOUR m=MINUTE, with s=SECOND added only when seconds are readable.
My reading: h=2 m=5
